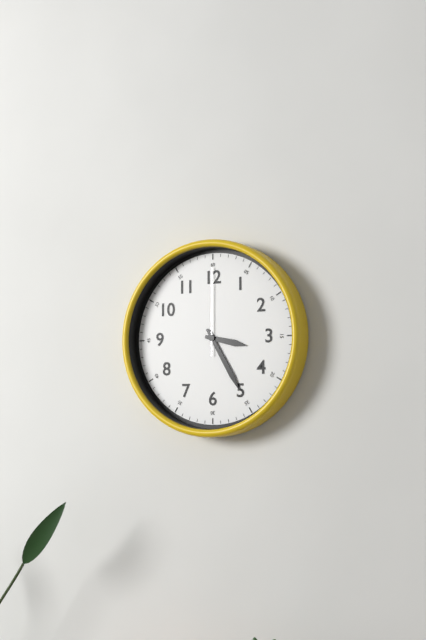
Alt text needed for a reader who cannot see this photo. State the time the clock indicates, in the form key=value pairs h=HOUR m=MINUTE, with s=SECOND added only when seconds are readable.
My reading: h=3 m=25 s=0
